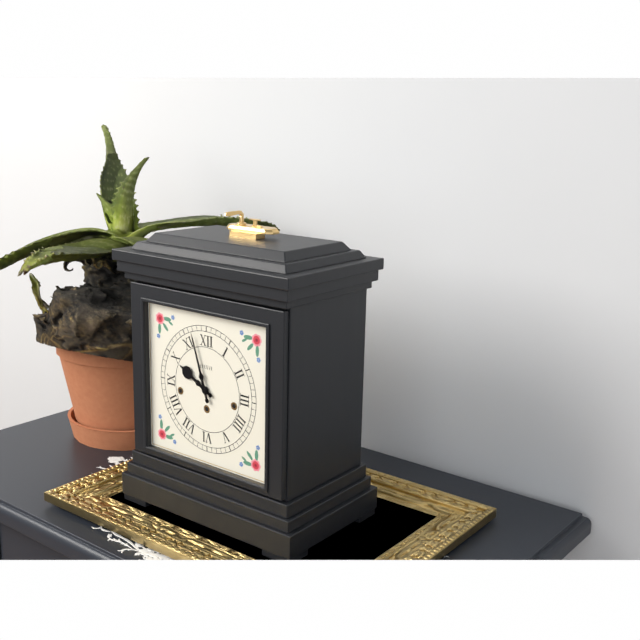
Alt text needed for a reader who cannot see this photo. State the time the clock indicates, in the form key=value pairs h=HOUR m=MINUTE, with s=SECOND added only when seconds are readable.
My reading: h=9 m=57
